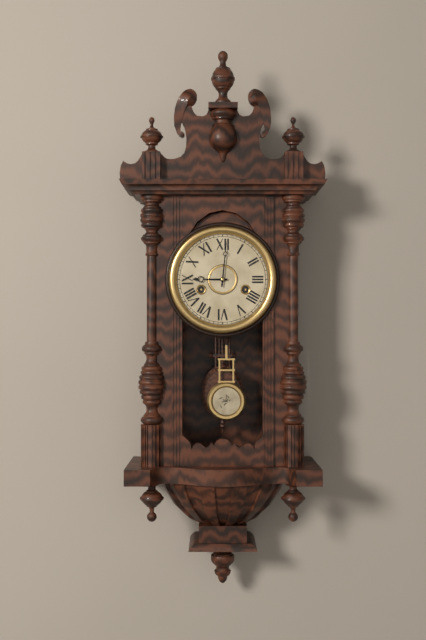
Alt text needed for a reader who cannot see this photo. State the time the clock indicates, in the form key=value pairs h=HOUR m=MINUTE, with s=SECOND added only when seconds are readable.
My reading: h=9 m=1
